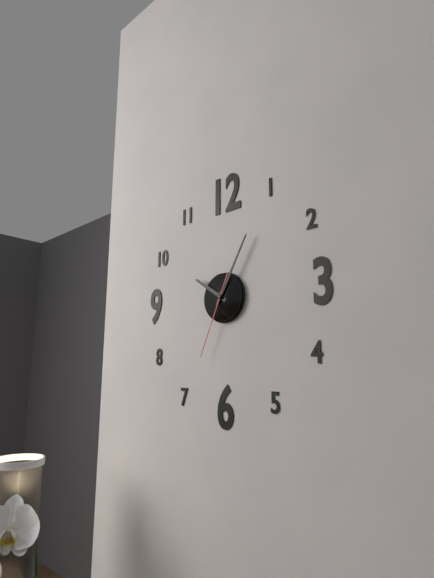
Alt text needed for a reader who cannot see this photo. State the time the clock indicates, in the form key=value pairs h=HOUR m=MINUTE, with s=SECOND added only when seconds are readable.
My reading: h=10 m=5 s=34
